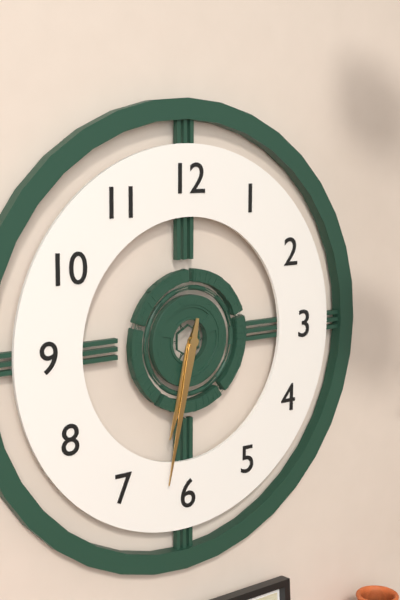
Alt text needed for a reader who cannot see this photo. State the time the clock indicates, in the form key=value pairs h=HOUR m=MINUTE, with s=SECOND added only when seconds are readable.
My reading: h=6 m=32
